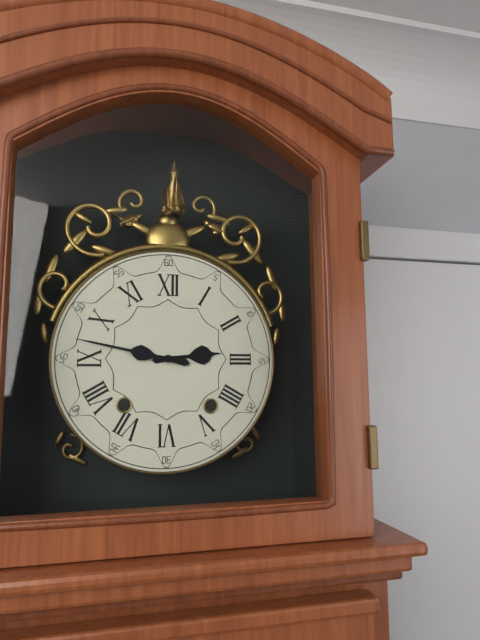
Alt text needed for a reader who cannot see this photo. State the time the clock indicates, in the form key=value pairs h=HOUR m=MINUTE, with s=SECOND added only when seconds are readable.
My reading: h=2 m=47
